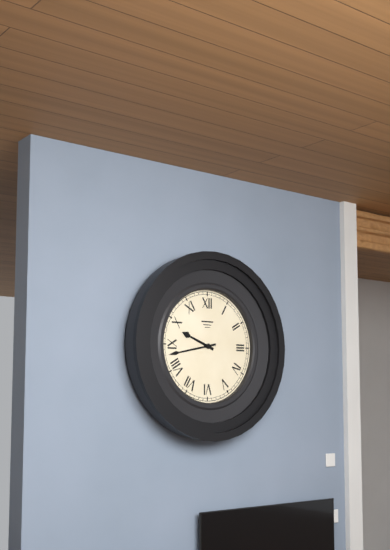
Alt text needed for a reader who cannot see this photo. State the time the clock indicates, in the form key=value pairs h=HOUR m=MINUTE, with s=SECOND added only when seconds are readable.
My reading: h=9 m=43
